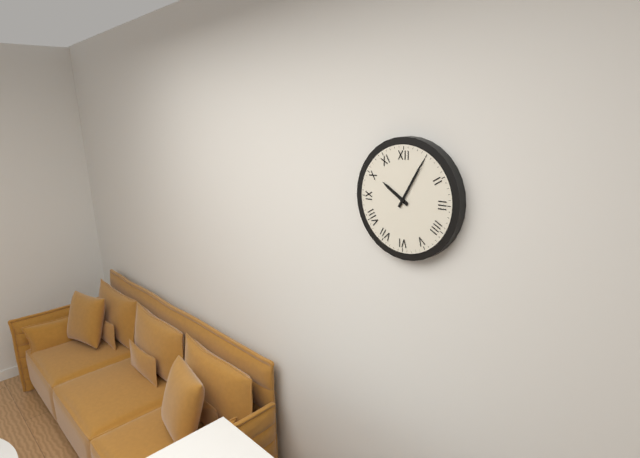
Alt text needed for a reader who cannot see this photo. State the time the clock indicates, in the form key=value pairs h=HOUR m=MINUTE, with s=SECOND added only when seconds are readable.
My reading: h=10 m=5
